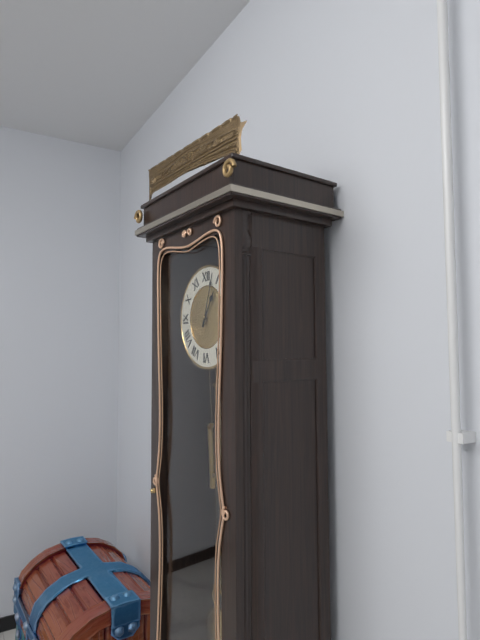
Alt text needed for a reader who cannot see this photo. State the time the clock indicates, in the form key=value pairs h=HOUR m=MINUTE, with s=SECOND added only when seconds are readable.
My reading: h=1 m=3
